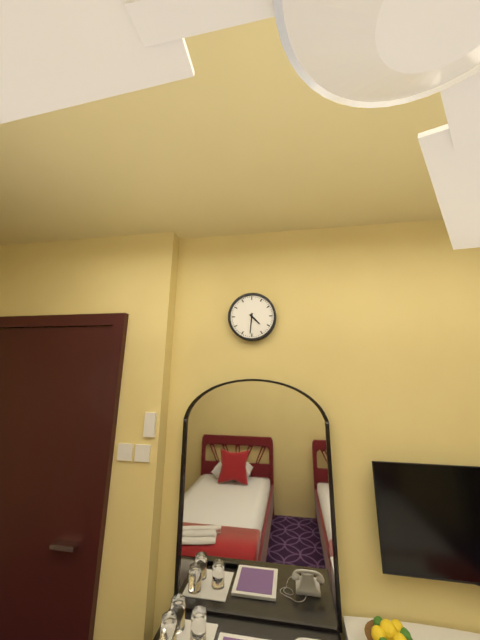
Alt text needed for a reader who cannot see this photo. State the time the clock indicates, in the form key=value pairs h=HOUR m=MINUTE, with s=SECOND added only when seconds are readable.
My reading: h=4 m=31
